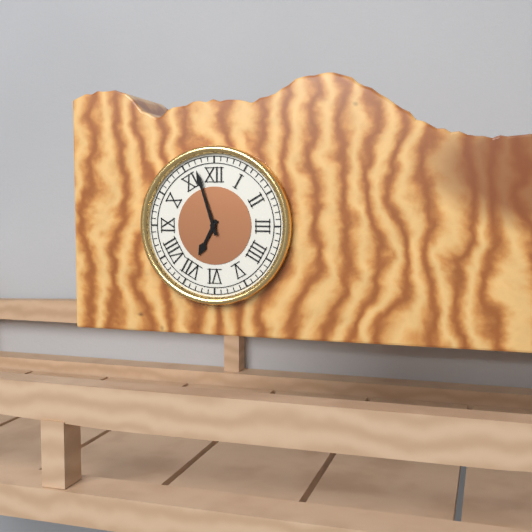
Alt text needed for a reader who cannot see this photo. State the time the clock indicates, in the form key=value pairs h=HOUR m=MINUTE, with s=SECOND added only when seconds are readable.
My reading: h=6 m=57
